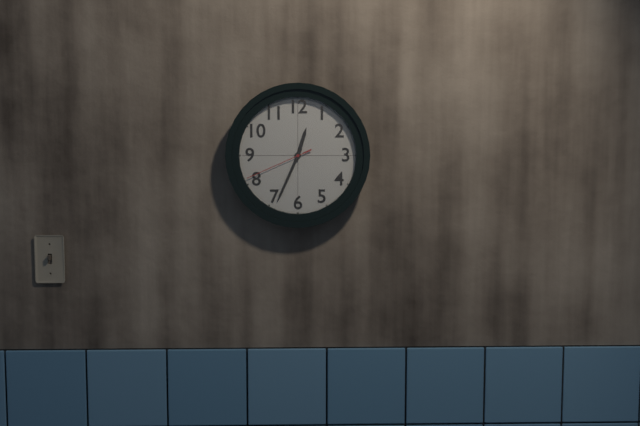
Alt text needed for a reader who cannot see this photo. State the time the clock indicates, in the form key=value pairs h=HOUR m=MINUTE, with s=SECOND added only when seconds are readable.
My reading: h=12 m=34 s=41
